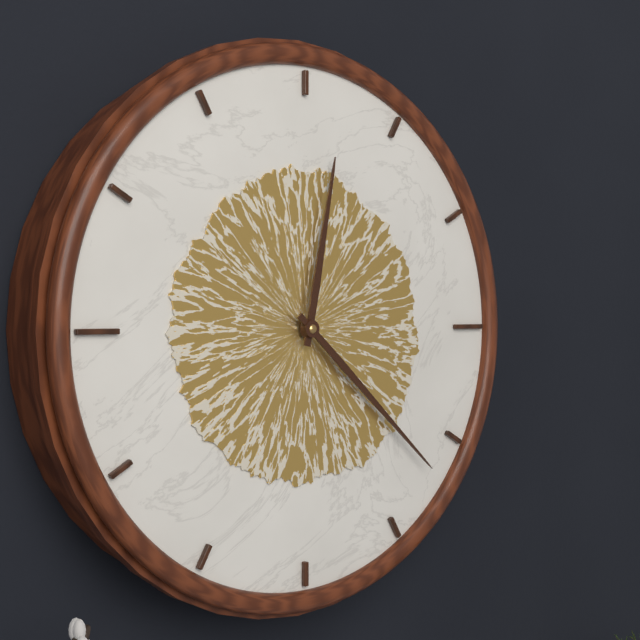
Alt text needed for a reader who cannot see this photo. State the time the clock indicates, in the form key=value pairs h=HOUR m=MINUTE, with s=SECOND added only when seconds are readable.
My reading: h=12 m=22
